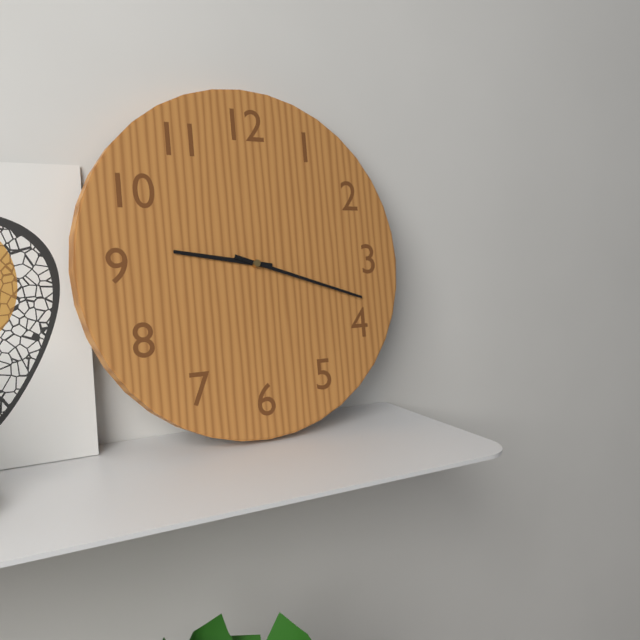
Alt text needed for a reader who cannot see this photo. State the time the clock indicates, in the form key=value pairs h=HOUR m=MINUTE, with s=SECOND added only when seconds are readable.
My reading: h=9 m=18
